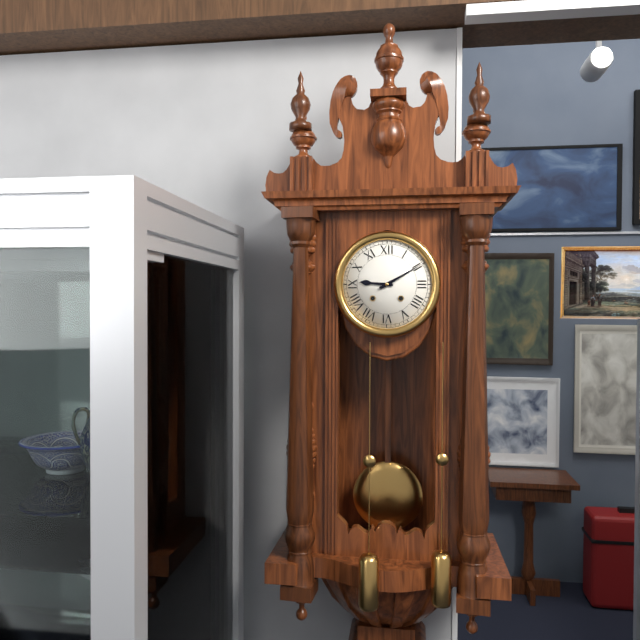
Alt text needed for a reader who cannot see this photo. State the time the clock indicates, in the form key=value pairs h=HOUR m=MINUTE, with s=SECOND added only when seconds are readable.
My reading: h=9 m=10
